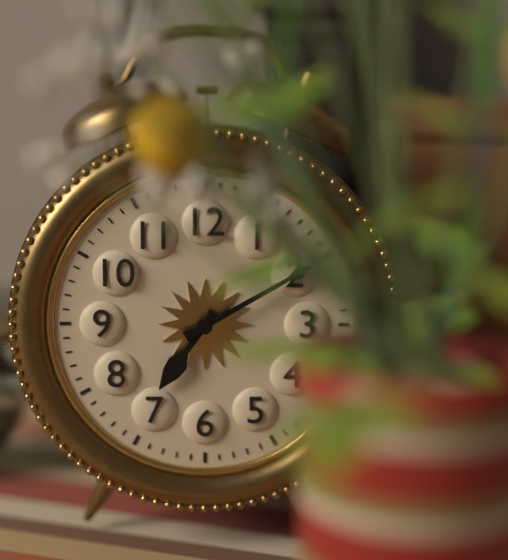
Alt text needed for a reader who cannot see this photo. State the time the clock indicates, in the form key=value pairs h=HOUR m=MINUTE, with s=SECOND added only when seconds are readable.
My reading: h=7 m=10
